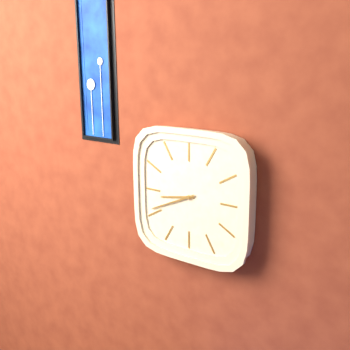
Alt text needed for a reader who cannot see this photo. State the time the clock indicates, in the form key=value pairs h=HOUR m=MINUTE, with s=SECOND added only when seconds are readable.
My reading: h=8 m=41
